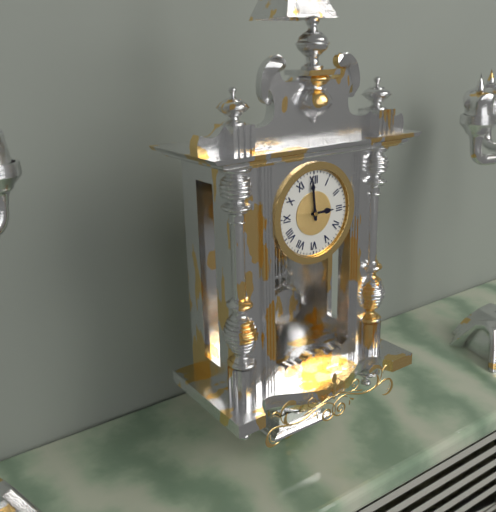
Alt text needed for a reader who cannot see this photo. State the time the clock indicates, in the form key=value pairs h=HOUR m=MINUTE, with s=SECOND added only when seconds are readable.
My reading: h=2 m=59
